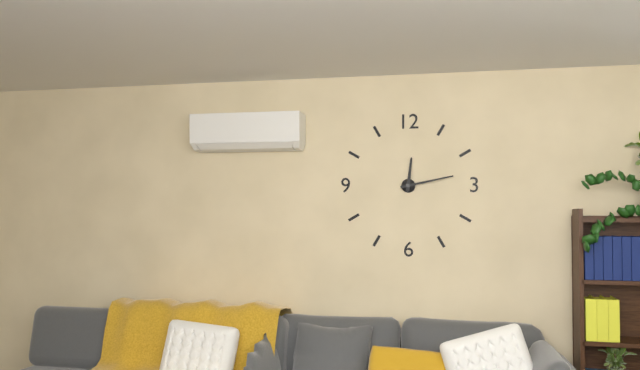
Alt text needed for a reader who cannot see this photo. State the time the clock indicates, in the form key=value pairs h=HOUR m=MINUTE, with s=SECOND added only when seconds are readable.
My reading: h=12 m=13
